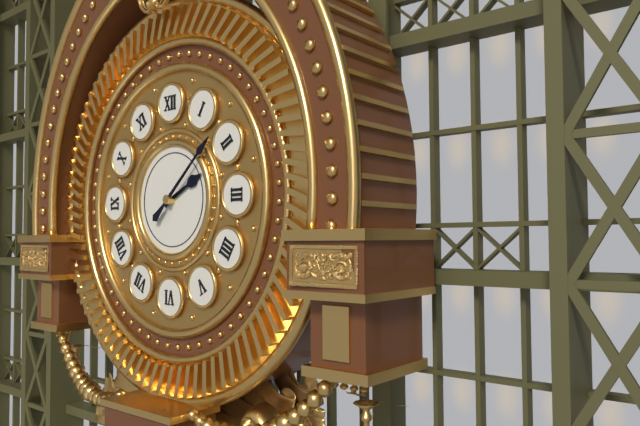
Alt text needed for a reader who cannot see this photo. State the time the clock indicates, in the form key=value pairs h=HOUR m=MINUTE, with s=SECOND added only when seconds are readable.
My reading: h=2 m=8
